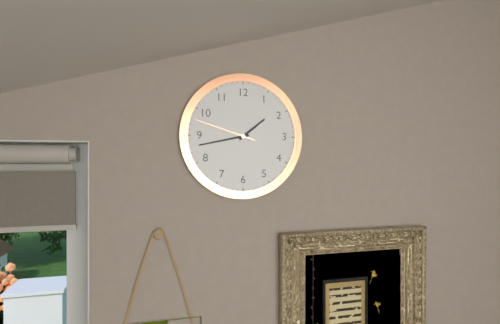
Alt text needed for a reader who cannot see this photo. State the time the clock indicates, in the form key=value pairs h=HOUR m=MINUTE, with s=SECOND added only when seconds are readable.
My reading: h=1 m=43 s=48
